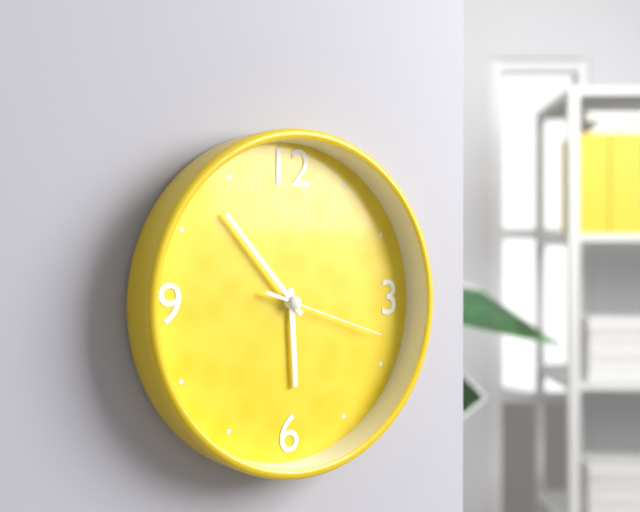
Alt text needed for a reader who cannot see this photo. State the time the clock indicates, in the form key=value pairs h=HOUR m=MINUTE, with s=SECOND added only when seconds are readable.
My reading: h=5 m=53 s=18
